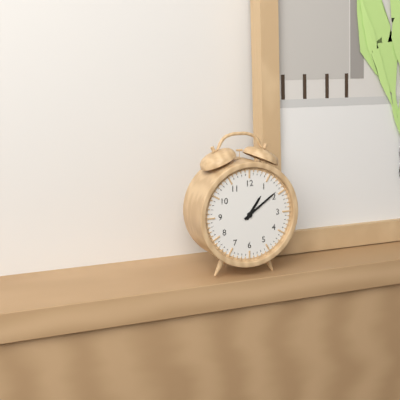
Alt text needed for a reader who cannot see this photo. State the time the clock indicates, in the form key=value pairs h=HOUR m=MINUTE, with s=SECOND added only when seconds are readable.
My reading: h=1 m=9
